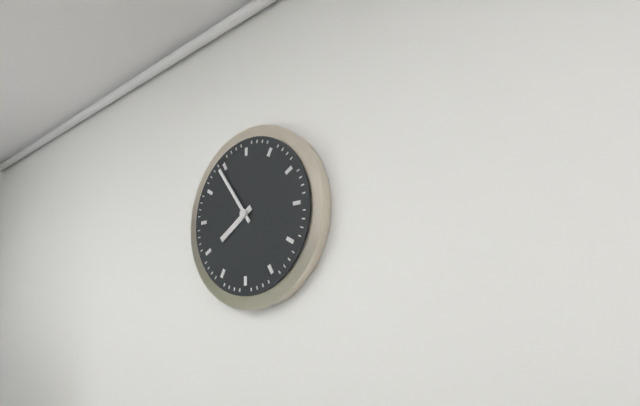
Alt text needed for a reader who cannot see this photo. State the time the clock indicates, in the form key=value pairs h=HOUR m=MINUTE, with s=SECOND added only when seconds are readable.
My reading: h=7 m=54
